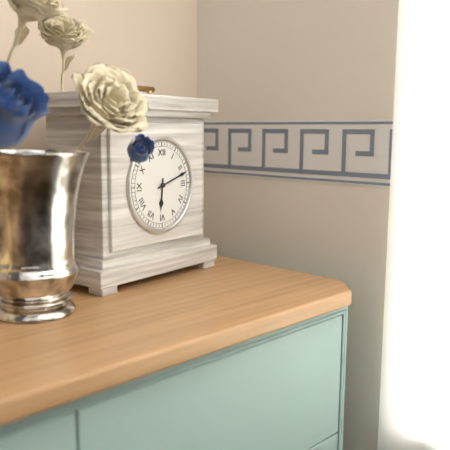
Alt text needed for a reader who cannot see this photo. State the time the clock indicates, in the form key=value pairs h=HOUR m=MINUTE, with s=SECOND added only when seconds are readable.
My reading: h=6 m=12
